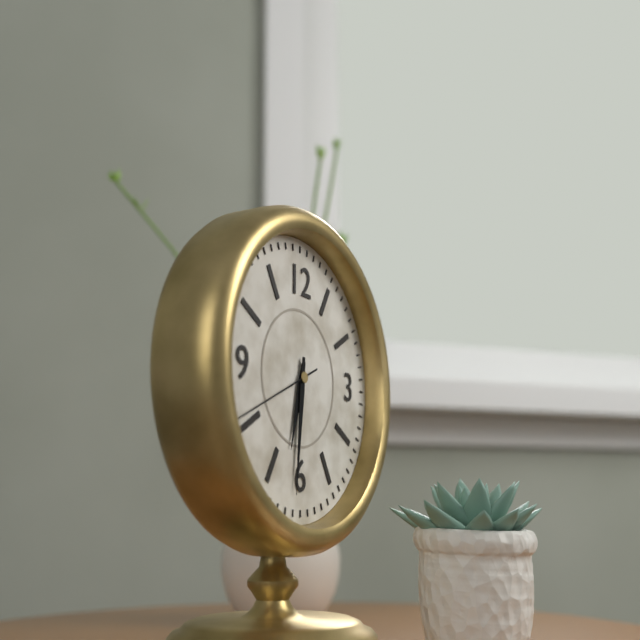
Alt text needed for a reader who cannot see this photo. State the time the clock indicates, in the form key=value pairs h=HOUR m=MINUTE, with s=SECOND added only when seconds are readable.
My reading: h=6 m=31 s=41
